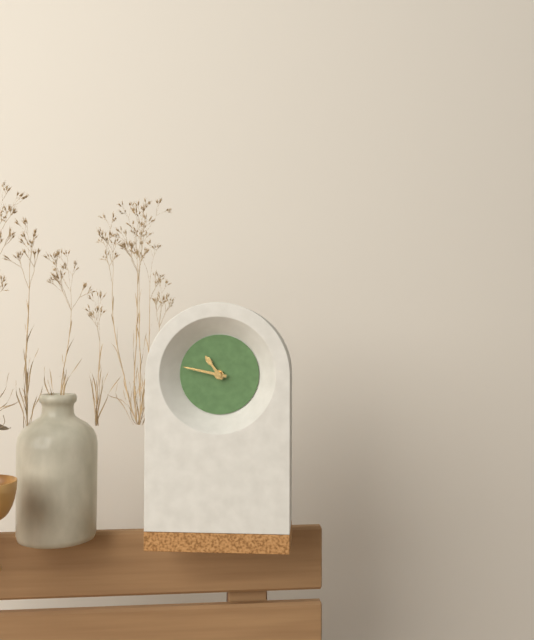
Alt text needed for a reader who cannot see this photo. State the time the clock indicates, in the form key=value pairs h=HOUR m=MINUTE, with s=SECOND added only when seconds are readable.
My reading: h=10 m=47
